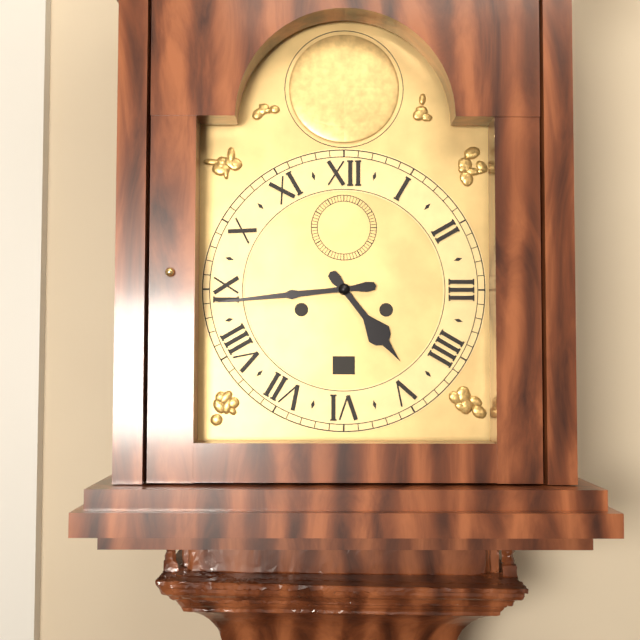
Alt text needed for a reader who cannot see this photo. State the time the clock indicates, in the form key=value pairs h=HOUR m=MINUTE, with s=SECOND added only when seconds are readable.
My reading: h=4 m=44
